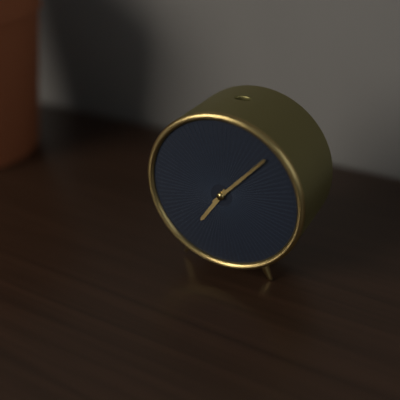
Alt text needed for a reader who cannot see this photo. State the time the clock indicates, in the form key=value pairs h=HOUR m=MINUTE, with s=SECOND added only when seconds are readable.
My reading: h=7 m=7
